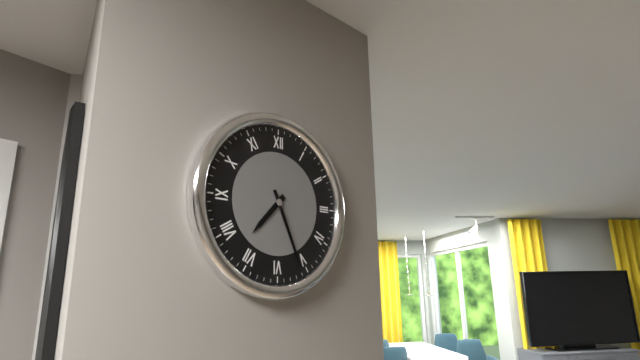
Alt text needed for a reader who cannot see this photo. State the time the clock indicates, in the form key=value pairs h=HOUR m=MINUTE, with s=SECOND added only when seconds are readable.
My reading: h=7 m=26
